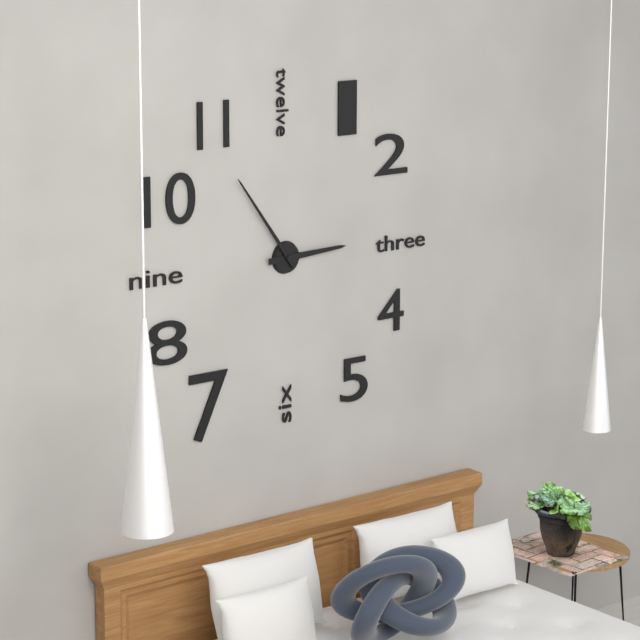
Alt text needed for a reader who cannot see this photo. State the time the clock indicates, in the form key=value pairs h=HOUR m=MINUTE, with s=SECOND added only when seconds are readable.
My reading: h=2 m=54
